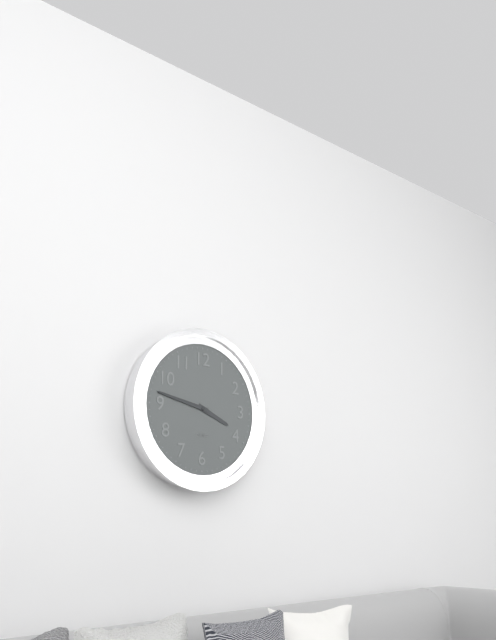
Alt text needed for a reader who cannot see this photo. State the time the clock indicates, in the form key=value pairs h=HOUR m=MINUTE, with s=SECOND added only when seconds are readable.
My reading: h=3 m=47
